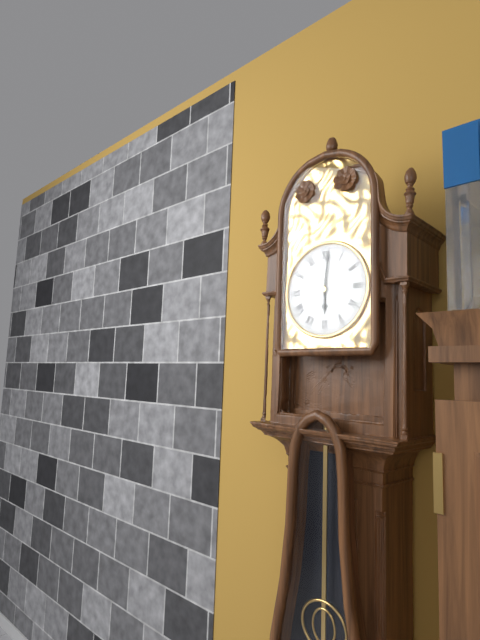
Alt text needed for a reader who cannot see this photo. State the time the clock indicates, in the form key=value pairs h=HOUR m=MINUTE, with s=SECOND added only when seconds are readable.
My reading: h=6 m=1
